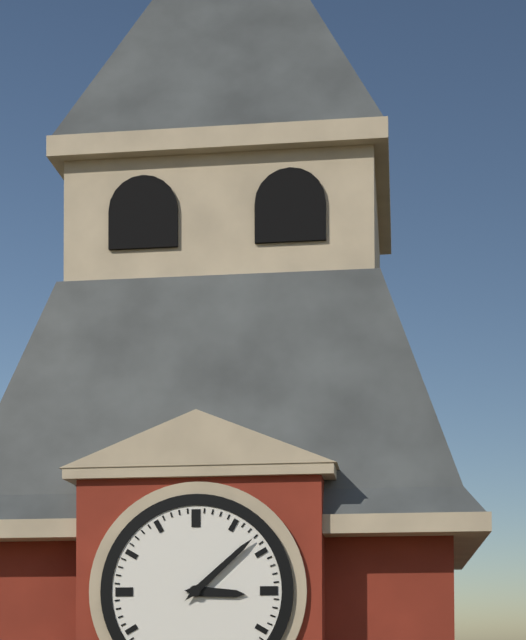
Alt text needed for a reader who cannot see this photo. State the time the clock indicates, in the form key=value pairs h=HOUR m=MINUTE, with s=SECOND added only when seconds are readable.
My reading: h=3 m=8
